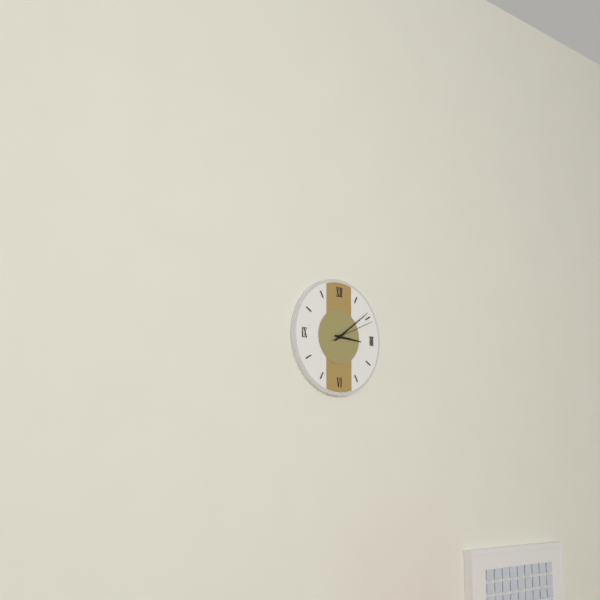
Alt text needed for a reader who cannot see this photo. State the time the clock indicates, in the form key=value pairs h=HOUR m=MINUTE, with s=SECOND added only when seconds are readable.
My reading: h=3 m=9
